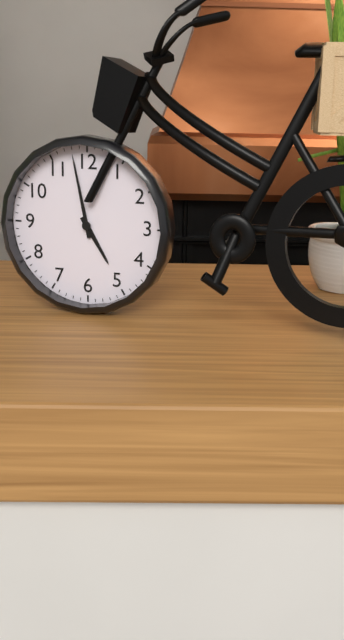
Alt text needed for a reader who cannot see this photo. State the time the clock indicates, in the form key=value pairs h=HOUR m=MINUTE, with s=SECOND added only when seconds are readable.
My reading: h=4 m=58
